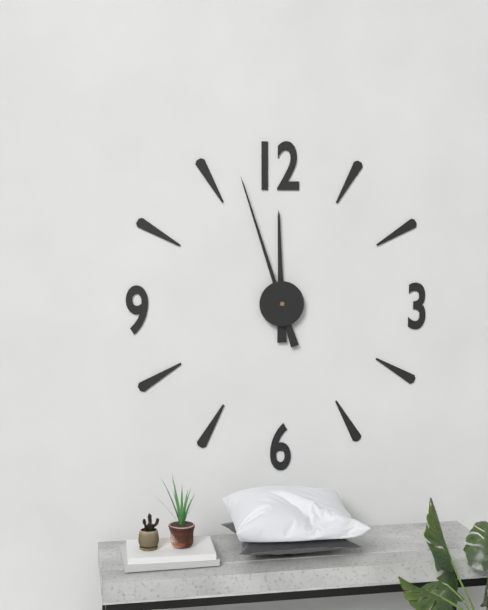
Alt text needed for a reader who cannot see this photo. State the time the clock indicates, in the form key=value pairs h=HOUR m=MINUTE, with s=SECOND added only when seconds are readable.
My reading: h=11 m=57
